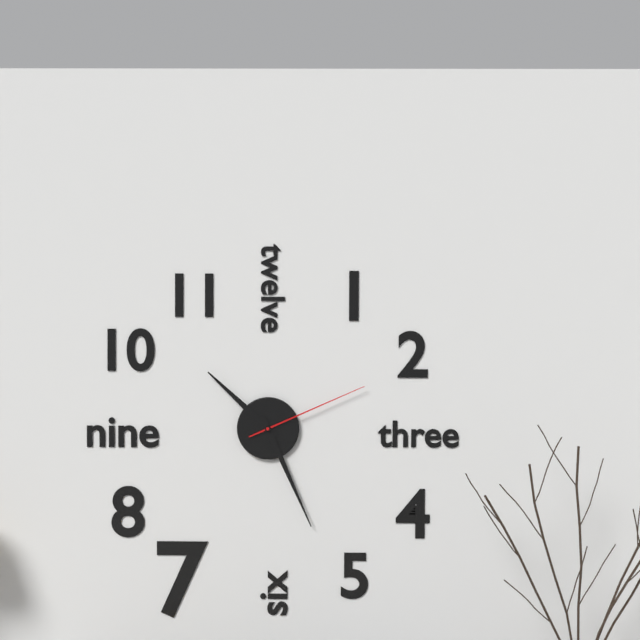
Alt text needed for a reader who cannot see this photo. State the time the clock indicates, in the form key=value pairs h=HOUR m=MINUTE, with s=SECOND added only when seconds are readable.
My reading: h=10 m=26 s=11
